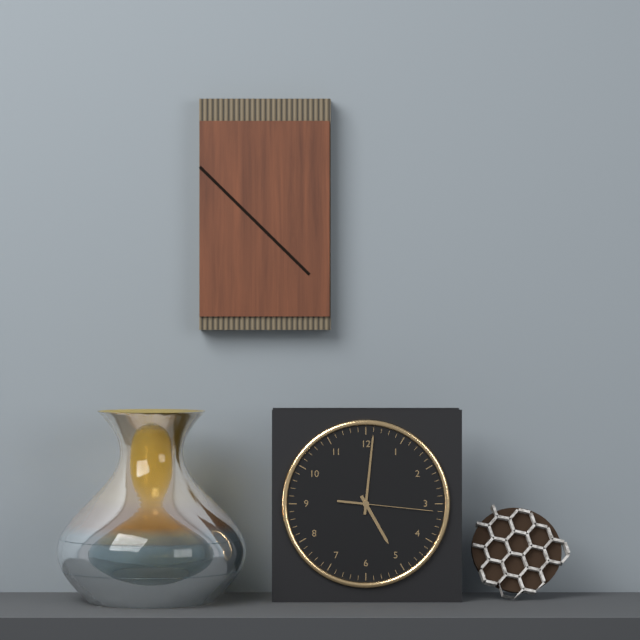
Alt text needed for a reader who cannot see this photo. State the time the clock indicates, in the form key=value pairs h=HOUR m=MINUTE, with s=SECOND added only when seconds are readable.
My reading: h=5 m=1 s=16
